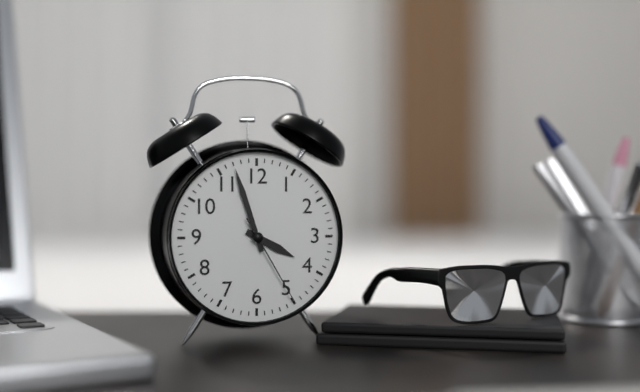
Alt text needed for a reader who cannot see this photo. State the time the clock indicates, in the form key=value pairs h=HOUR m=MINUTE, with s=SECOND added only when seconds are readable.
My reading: h=3 m=57 s=25
